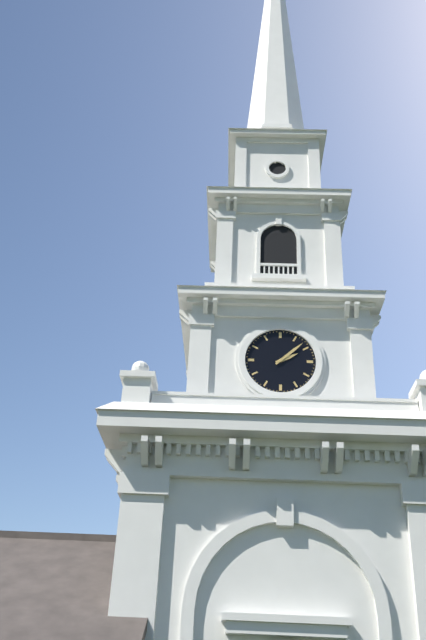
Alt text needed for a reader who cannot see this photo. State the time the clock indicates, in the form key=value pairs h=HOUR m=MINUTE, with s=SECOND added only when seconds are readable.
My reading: h=2 m=8
